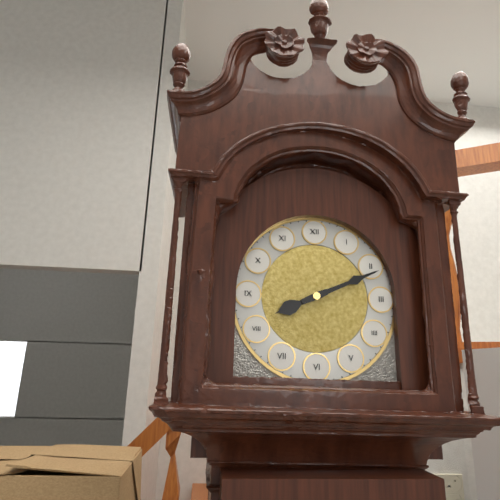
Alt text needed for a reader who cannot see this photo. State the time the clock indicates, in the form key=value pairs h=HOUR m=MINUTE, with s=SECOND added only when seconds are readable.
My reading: h=8 m=11
